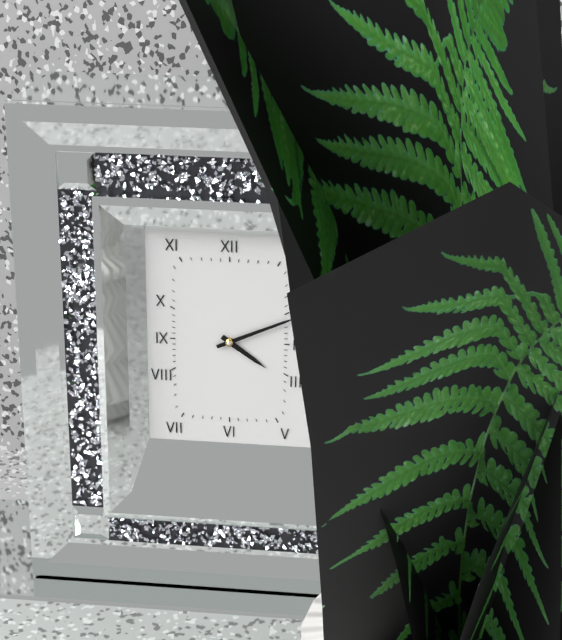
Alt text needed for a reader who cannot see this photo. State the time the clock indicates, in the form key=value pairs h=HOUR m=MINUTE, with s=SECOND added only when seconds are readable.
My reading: h=4 m=11
